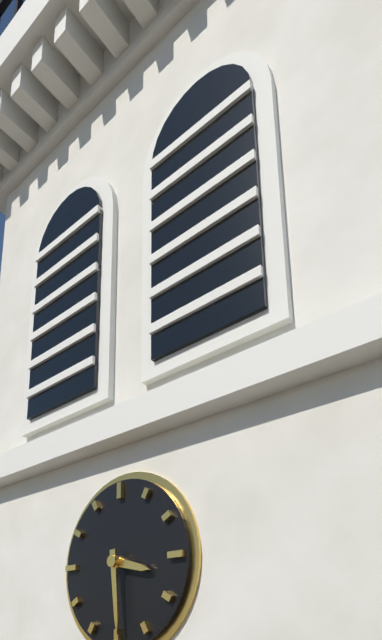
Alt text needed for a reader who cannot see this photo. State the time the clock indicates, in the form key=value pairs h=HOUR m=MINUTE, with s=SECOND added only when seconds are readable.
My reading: h=3 m=29
